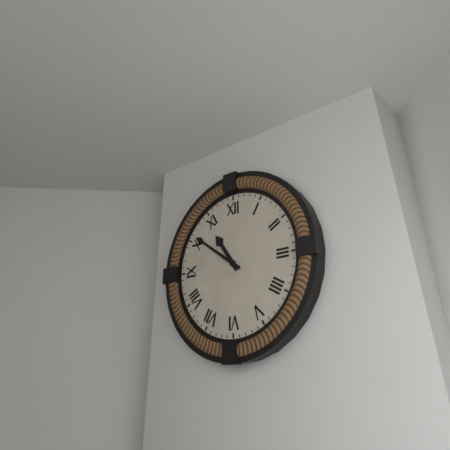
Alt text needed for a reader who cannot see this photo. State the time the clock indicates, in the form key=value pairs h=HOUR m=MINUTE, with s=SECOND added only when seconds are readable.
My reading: h=10 m=51
